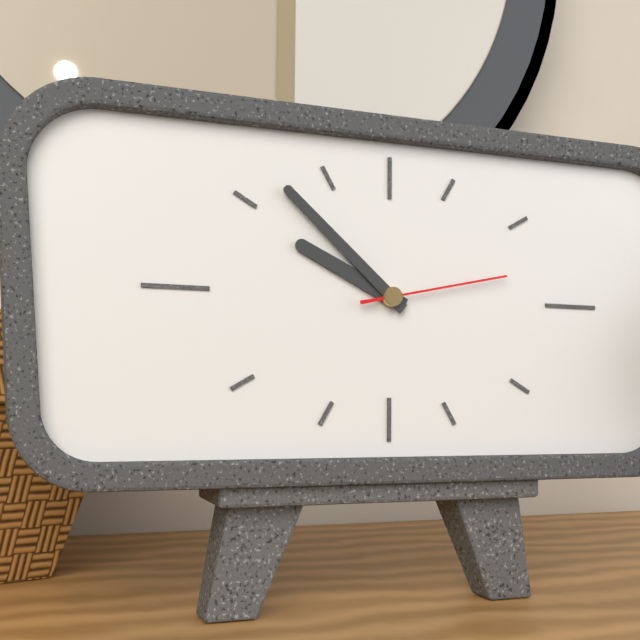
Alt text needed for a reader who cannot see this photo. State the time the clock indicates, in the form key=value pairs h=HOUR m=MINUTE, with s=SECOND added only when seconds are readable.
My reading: h=9 m=52 s=13
